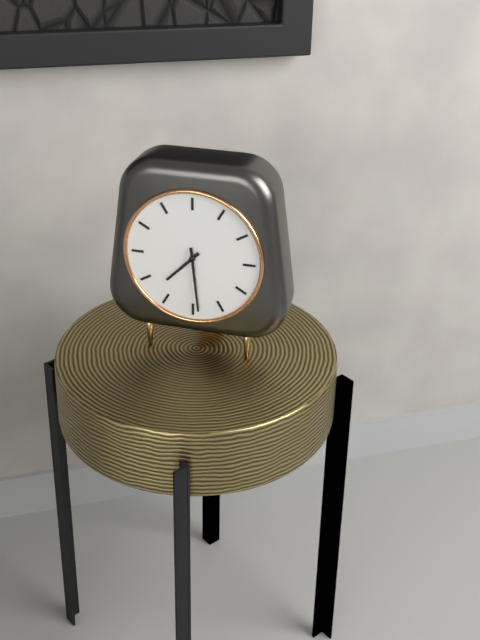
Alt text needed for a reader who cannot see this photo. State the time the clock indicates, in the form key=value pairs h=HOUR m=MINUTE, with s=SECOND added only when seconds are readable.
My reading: h=7 m=29
